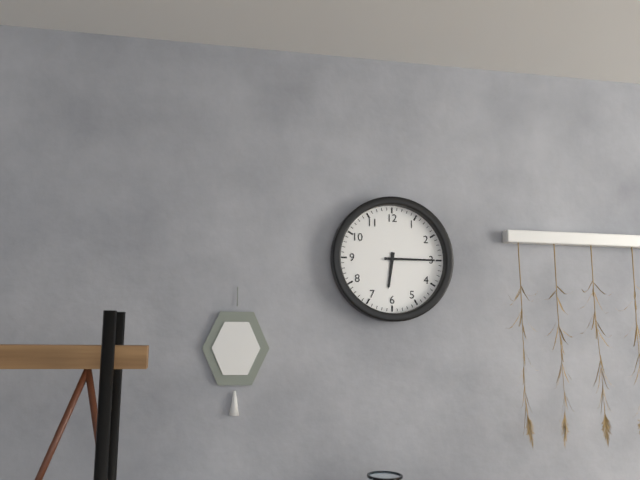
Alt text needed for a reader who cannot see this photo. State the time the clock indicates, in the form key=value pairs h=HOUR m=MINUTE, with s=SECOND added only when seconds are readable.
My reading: h=6 m=15
